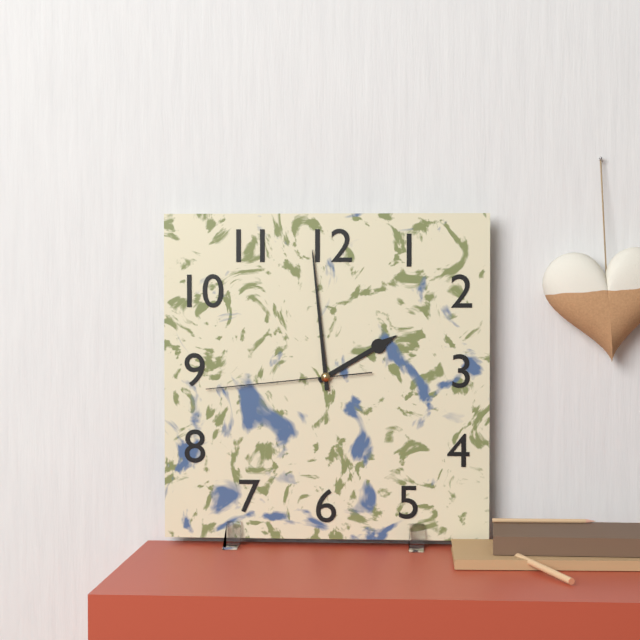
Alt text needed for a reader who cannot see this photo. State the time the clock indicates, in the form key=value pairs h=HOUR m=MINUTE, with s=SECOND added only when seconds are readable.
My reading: h=1 m=59 s=44
